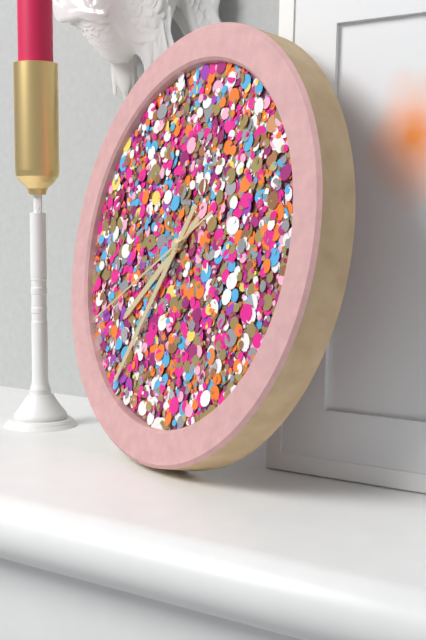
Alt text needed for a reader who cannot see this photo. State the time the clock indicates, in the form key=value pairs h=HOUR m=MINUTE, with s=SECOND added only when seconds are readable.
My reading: h=7 m=35 s=40
